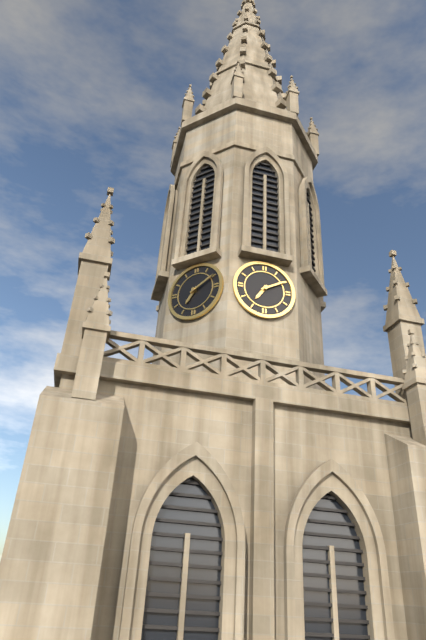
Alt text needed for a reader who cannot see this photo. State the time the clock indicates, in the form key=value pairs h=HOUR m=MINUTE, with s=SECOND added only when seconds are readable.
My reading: h=7 m=10
